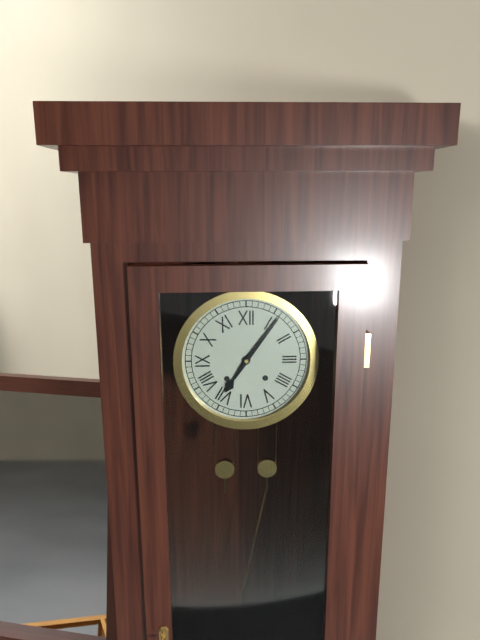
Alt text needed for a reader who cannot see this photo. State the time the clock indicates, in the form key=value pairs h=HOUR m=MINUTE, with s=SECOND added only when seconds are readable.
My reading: h=7 m=6
